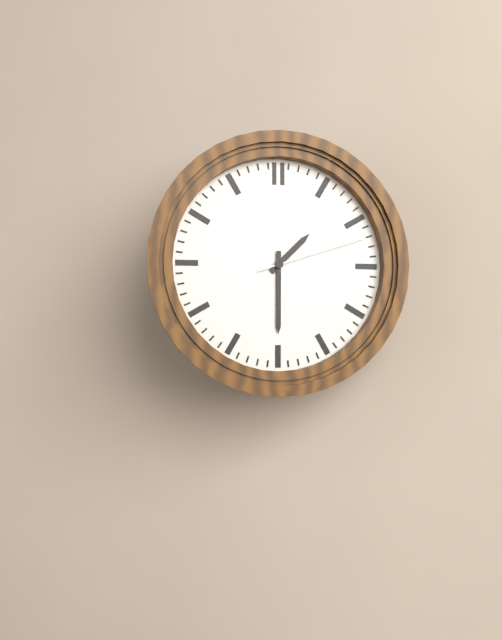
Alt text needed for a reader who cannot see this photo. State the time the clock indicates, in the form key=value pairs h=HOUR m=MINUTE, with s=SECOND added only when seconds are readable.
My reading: h=1 m=30 s=12
